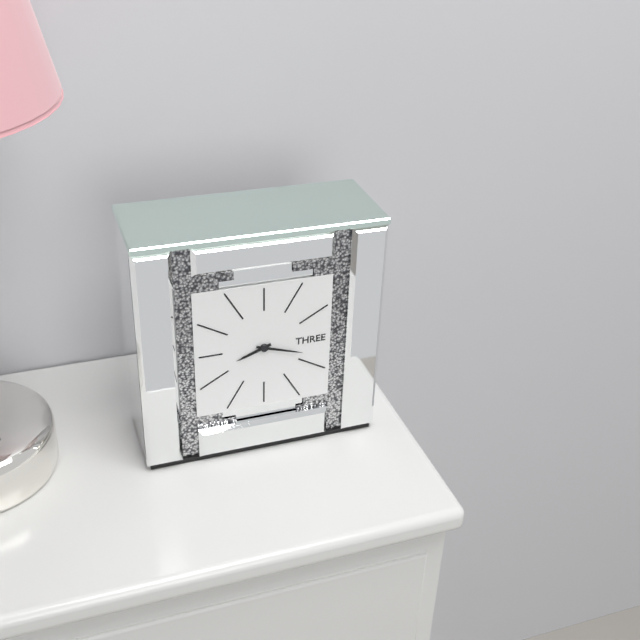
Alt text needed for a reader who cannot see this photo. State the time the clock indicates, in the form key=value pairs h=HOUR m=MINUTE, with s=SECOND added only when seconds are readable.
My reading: h=8 m=18
